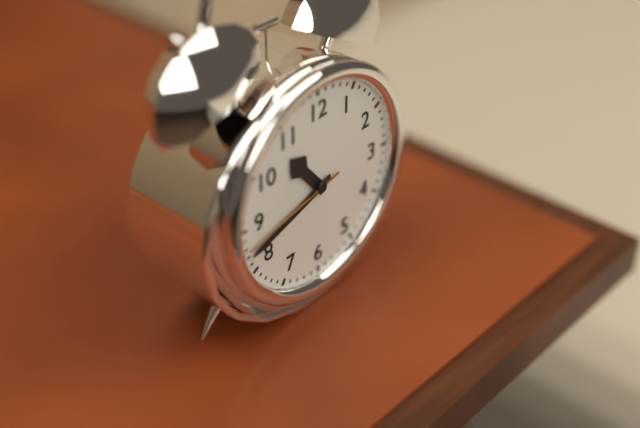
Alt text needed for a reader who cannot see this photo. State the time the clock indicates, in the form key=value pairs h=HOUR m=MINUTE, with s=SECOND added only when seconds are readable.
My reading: h=10 m=42 s=43
